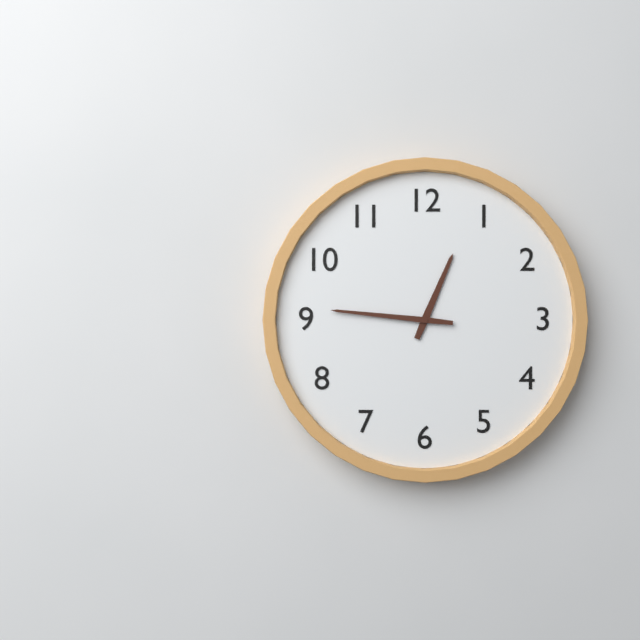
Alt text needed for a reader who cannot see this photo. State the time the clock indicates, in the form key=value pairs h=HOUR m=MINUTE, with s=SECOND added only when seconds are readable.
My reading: h=12 m=46
